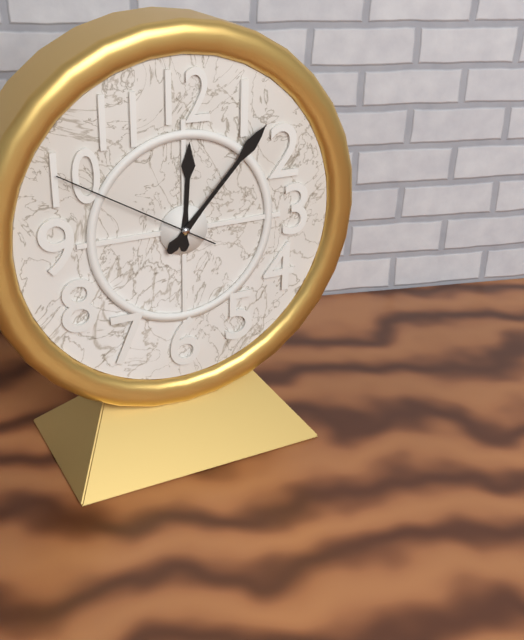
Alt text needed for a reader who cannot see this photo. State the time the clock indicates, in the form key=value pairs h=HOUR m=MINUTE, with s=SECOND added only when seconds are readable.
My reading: h=12 m=7 s=50
